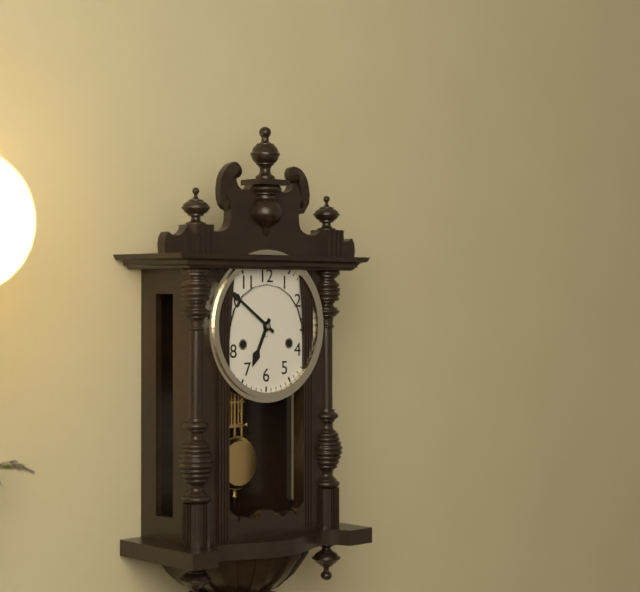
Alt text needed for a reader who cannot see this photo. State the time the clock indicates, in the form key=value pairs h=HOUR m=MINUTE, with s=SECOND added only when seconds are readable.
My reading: h=6 m=51
